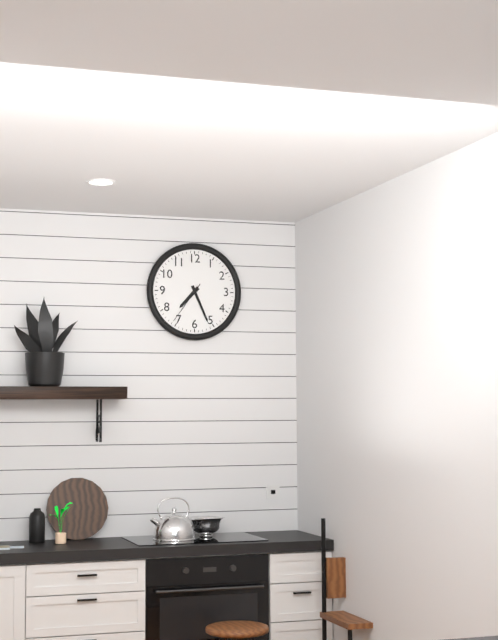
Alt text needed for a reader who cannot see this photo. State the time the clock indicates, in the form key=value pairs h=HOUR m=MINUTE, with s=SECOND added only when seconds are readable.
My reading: h=7 m=26
